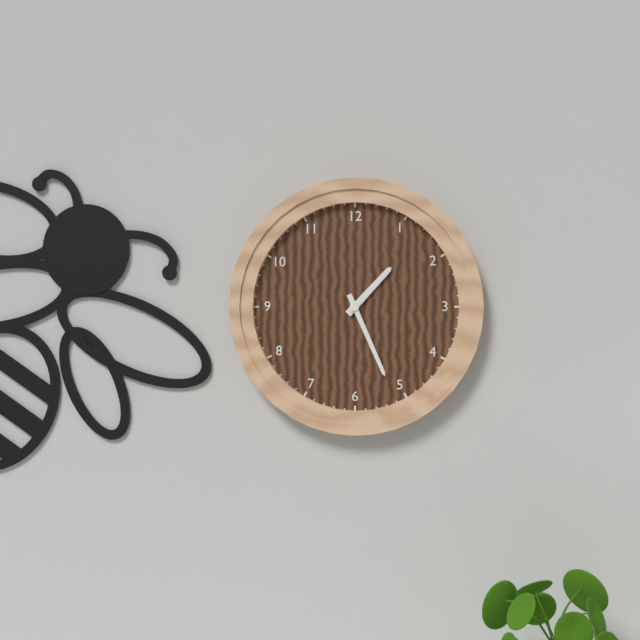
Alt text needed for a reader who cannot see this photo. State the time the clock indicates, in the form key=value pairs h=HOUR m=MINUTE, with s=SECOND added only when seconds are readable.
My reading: h=1 m=26
